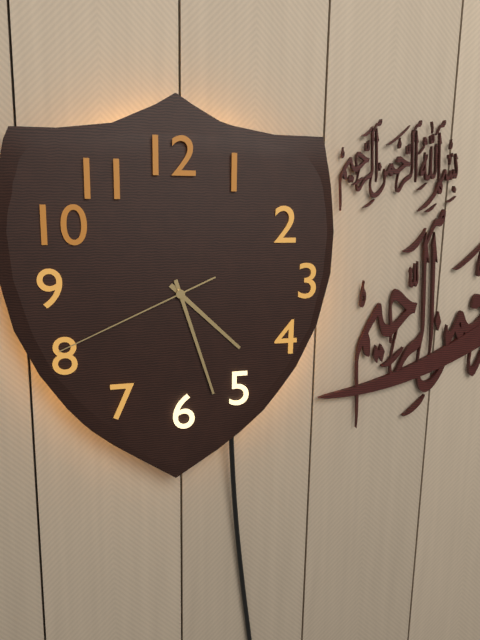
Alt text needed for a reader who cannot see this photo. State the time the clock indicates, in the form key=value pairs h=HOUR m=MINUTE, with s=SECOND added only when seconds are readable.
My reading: h=4 m=27 s=41
